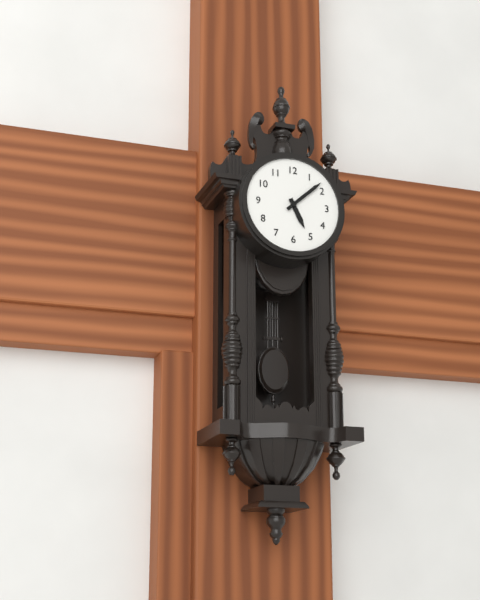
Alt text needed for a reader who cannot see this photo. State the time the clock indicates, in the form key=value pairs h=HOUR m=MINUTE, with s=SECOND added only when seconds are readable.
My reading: h=5 m=8
